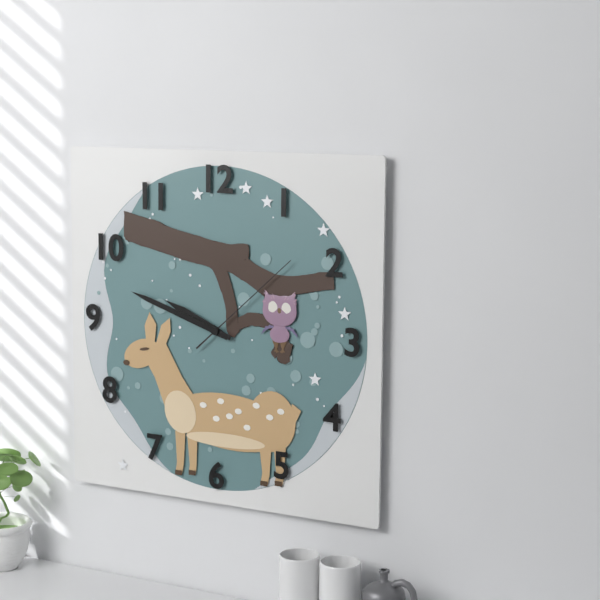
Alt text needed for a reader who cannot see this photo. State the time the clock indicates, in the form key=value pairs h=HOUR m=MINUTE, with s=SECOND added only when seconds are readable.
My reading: h=9 m=48 s=8
